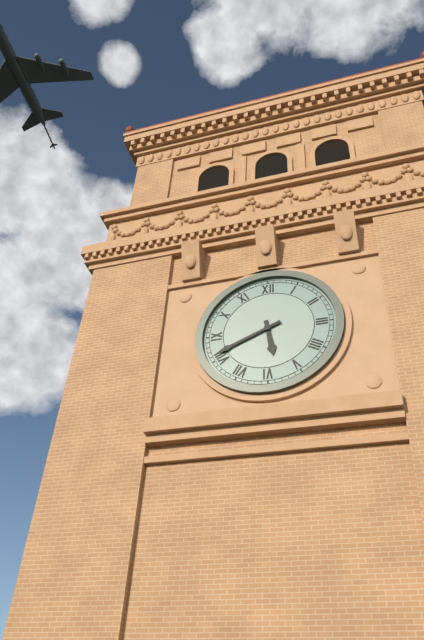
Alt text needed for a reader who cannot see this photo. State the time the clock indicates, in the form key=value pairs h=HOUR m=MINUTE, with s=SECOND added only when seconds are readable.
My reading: h=5 m=41
